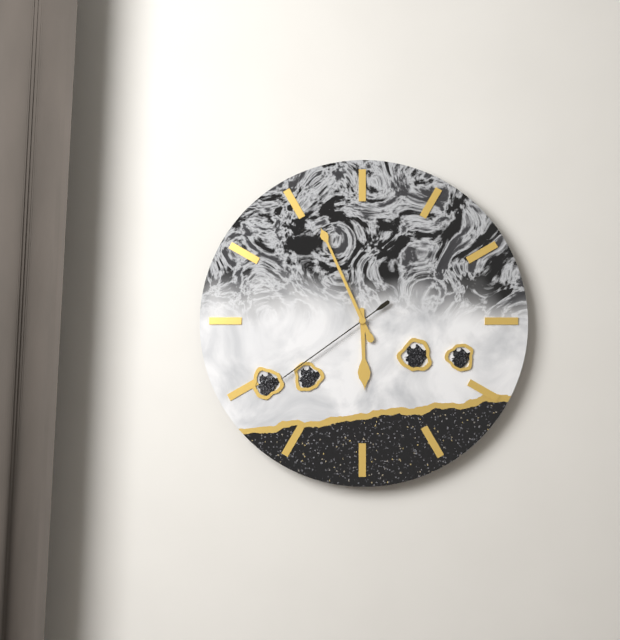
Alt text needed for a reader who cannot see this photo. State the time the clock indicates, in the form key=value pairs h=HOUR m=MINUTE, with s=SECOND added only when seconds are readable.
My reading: h=5 m=56 s=39
